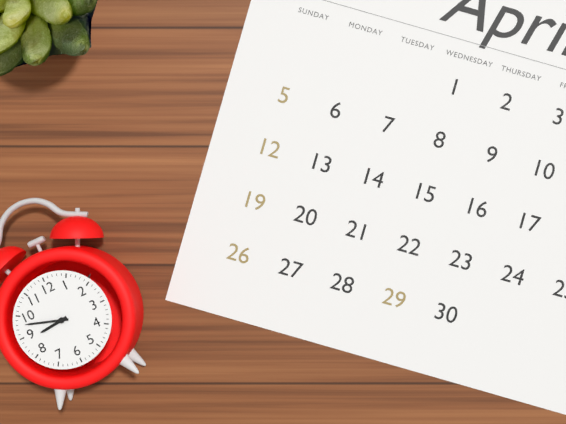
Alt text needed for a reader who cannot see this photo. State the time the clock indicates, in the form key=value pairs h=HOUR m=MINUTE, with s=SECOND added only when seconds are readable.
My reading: h=8 m=48
